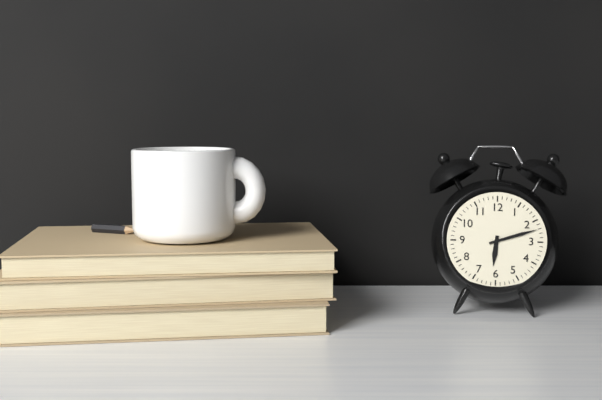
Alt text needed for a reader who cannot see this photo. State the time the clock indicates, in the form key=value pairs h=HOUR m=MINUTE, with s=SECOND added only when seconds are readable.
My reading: h=6 m=12
